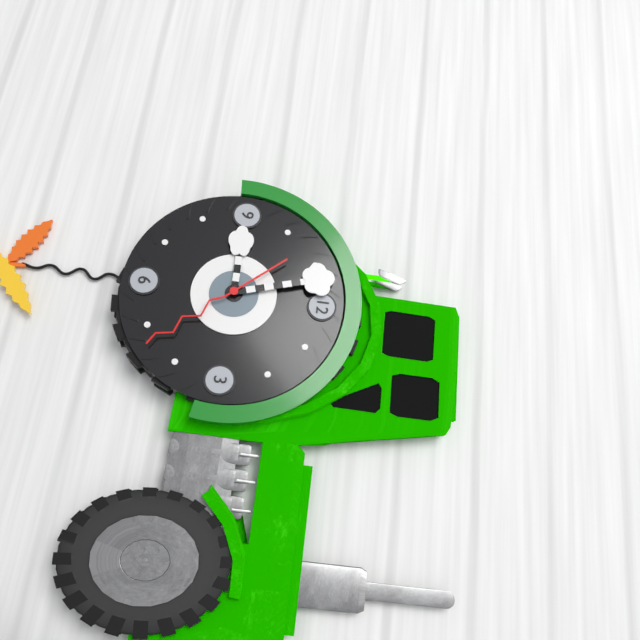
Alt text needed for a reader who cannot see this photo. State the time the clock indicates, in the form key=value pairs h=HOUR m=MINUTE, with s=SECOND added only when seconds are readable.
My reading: h=8 m=57 s=23
